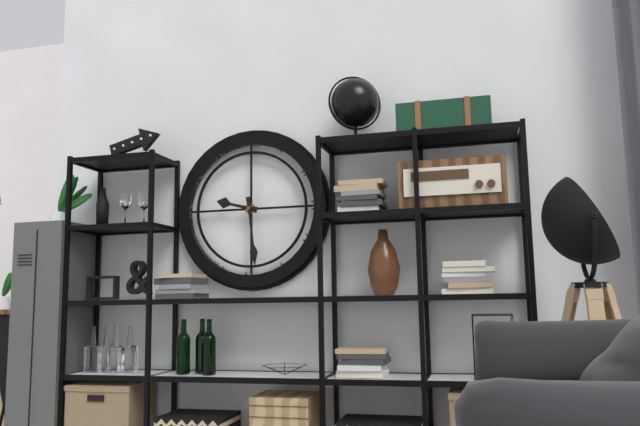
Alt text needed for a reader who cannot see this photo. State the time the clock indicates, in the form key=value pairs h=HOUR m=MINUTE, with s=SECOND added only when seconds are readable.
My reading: h=9 m=29
